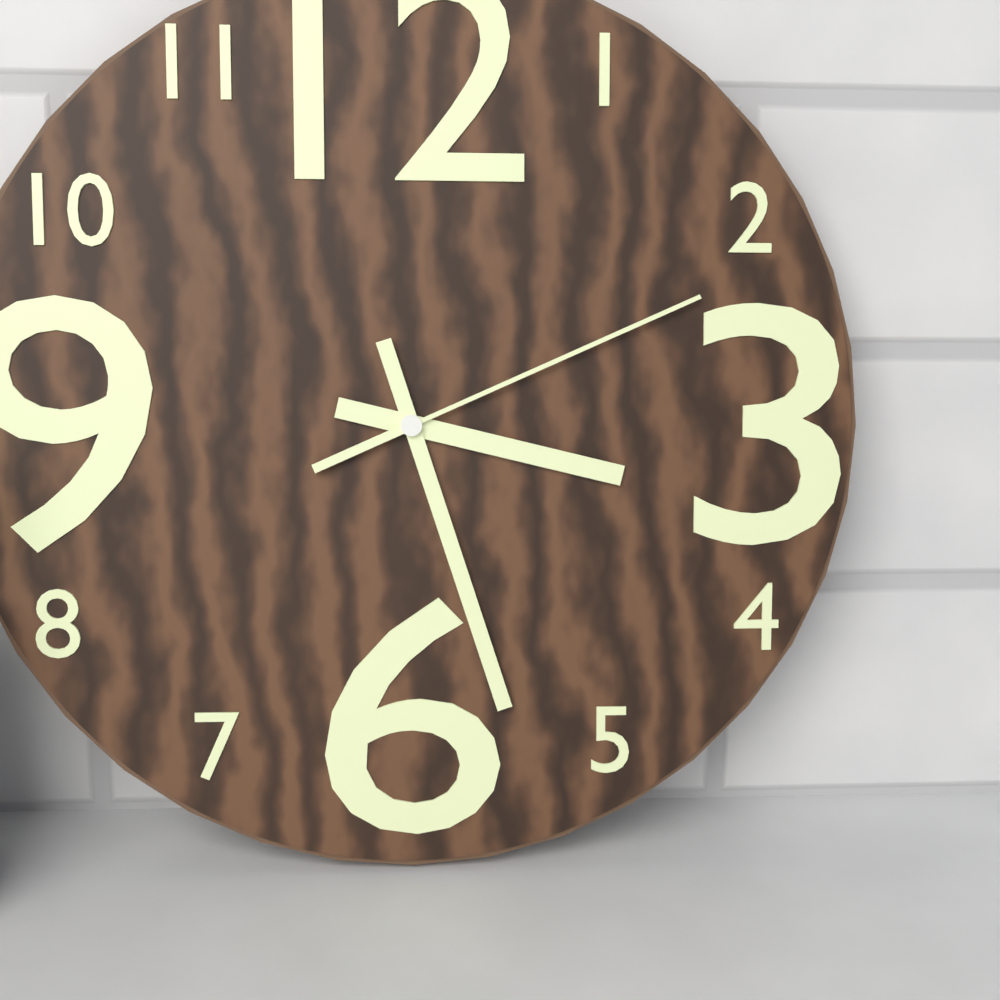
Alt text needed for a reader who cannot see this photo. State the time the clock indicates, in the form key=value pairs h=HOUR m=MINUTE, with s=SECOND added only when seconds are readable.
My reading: h=3 m=27 s=11
